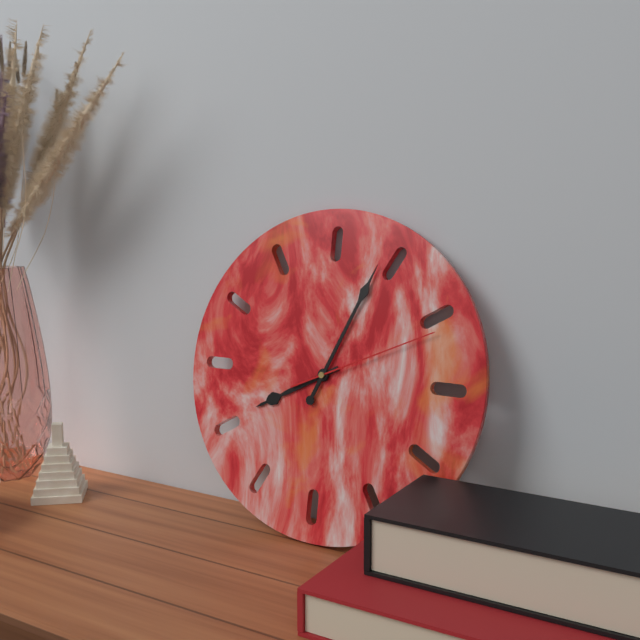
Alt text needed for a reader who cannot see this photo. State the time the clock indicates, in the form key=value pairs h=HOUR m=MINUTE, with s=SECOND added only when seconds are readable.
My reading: h=8 m=4 s=11
